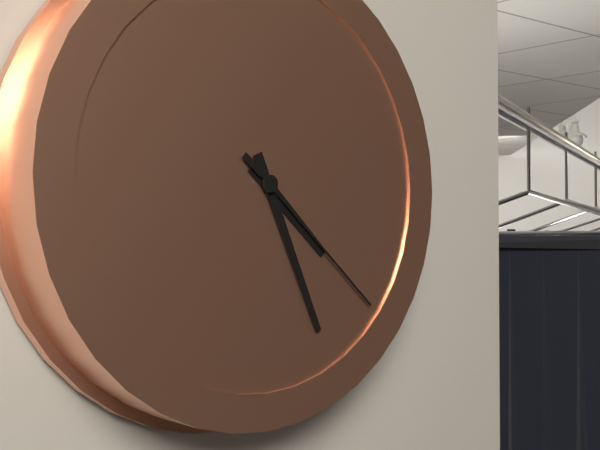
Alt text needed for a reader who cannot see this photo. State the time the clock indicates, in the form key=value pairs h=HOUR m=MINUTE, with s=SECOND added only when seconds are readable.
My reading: h=4 m=26 s=22
